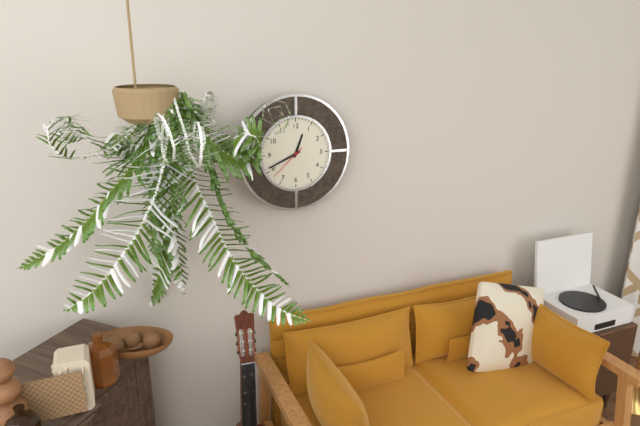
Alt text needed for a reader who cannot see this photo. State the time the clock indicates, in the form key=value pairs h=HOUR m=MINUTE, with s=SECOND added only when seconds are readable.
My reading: h=12 m=41
